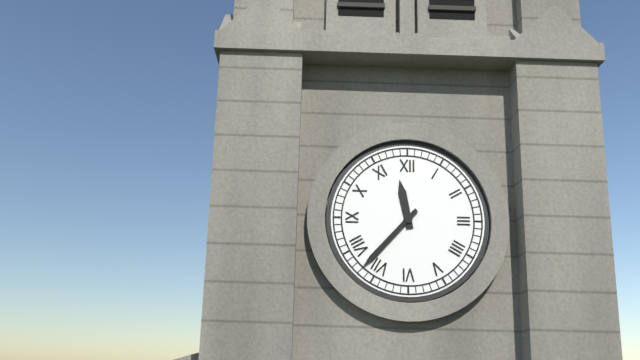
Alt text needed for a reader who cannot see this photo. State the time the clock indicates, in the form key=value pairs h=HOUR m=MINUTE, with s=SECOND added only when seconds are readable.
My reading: h=11 m=37
